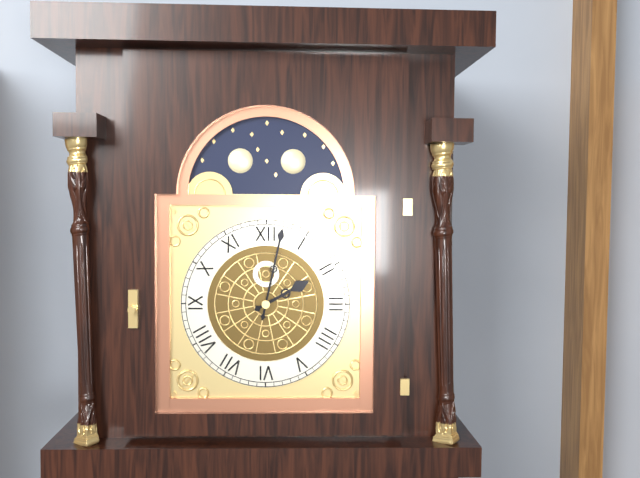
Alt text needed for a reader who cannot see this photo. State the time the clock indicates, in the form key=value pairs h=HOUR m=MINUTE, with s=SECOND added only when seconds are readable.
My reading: h=2 m=2
